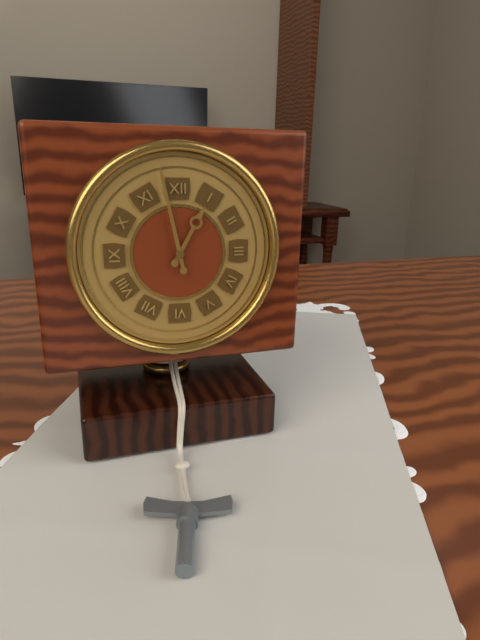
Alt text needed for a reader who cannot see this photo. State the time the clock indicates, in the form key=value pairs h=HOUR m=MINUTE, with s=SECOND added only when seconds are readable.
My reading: h=12 m=58
